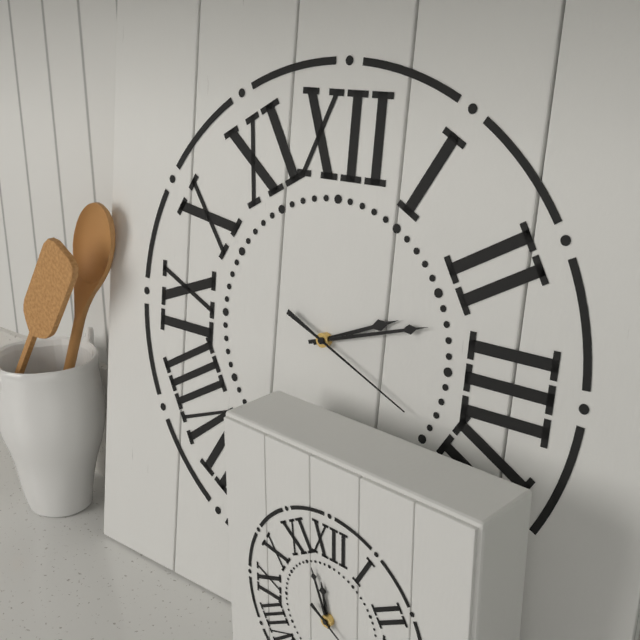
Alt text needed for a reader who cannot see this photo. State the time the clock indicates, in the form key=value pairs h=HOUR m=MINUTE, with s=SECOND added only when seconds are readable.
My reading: h=2 m=12 s=19
